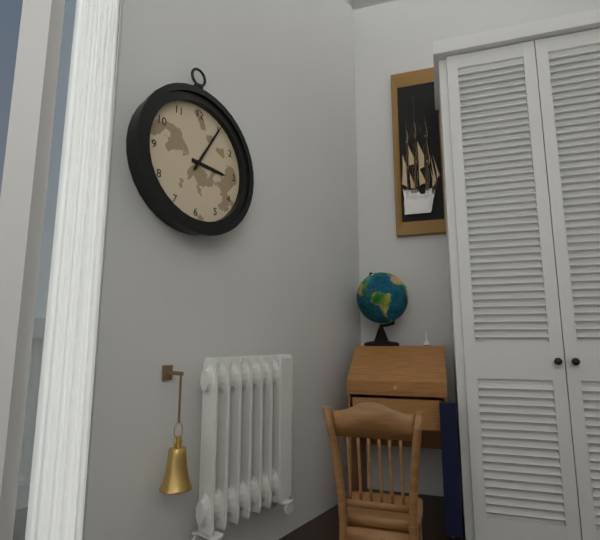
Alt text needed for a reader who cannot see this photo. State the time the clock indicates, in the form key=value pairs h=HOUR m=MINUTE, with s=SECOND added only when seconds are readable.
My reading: h=3 m=5
